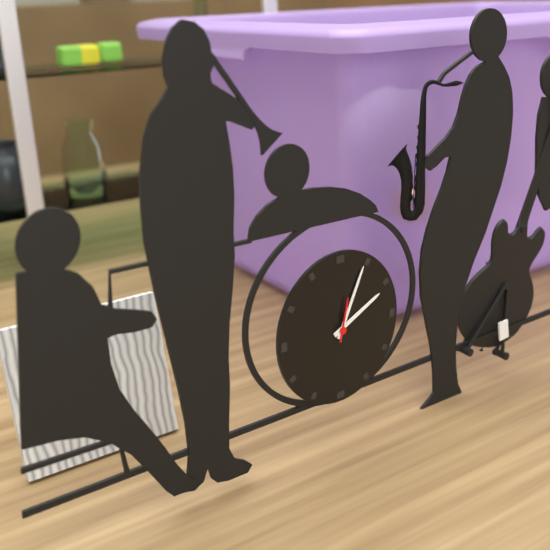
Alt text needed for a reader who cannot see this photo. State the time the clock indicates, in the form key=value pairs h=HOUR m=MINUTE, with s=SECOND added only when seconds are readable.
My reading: h=2 m=4
